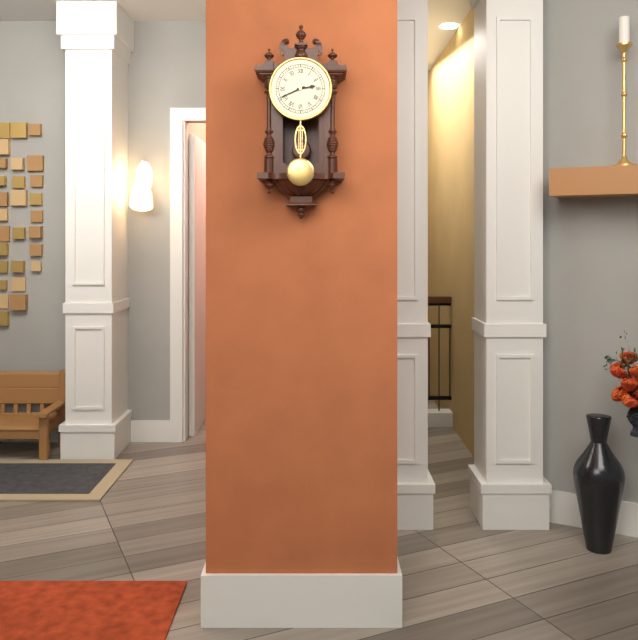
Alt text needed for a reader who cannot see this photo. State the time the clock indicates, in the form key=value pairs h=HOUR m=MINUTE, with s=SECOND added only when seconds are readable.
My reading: h=2 m=41
